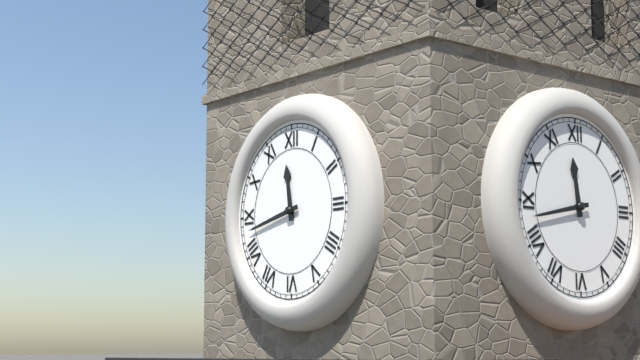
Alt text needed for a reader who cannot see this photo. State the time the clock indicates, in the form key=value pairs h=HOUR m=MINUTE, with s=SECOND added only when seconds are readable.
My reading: h=11 m=43
